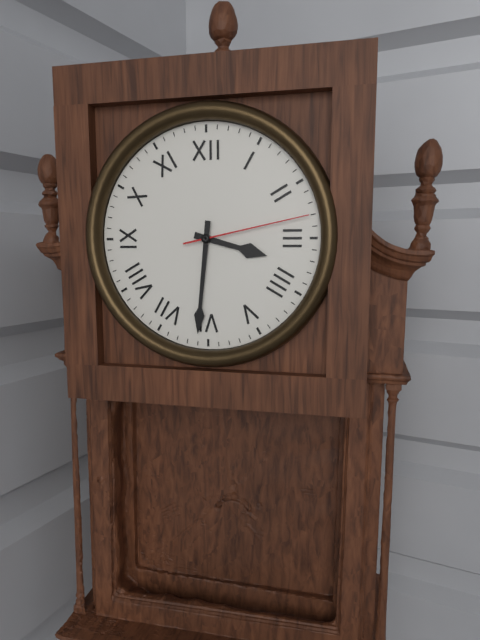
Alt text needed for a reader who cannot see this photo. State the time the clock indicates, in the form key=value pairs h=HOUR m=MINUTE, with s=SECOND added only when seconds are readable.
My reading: h=3 m=31 s=13
